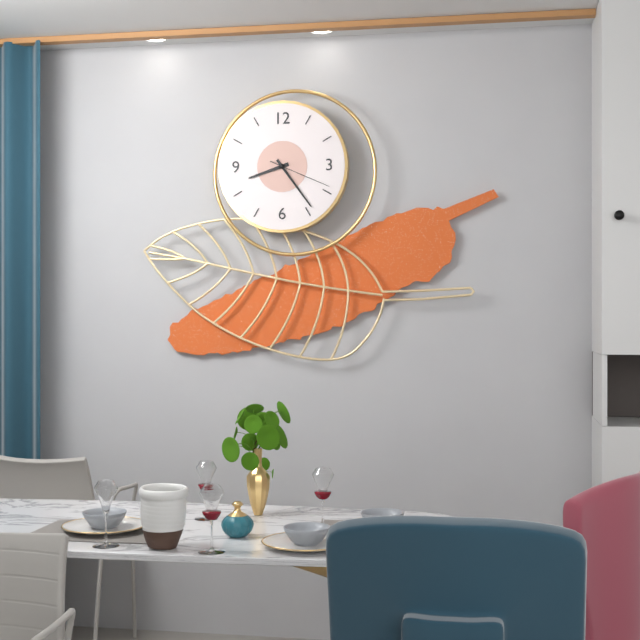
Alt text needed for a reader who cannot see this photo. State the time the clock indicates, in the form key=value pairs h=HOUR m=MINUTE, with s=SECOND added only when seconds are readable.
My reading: h=8 m=24 s=19
